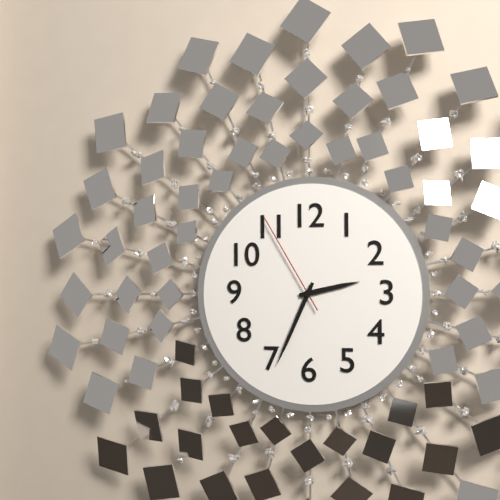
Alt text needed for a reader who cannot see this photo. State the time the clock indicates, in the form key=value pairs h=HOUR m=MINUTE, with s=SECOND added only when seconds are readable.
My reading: h=2 m=34 s=55
